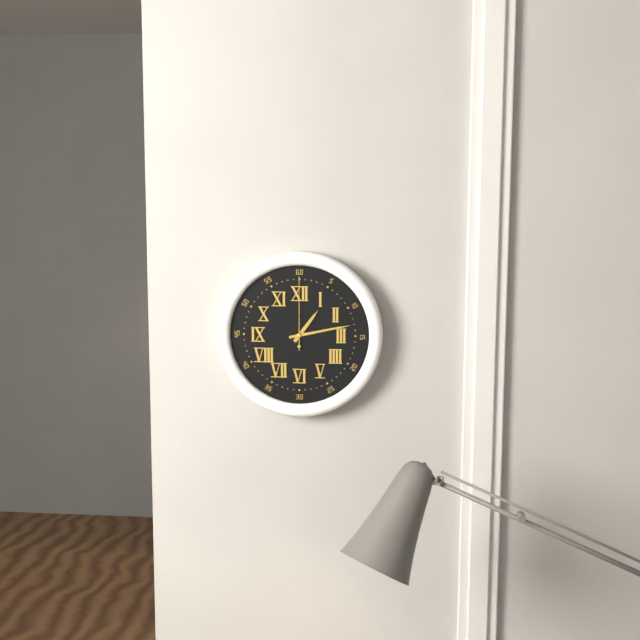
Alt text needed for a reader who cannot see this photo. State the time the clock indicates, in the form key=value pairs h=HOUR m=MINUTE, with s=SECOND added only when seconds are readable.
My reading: h=1 m=13 s=0
